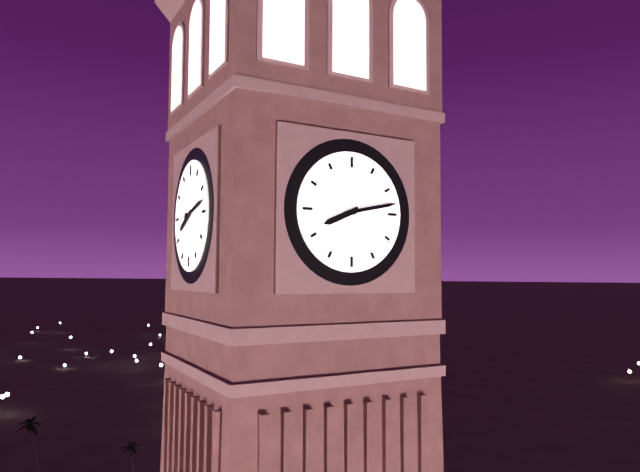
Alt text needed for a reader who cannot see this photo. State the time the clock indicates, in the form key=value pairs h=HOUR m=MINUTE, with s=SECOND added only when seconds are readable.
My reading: h=8 m=13
